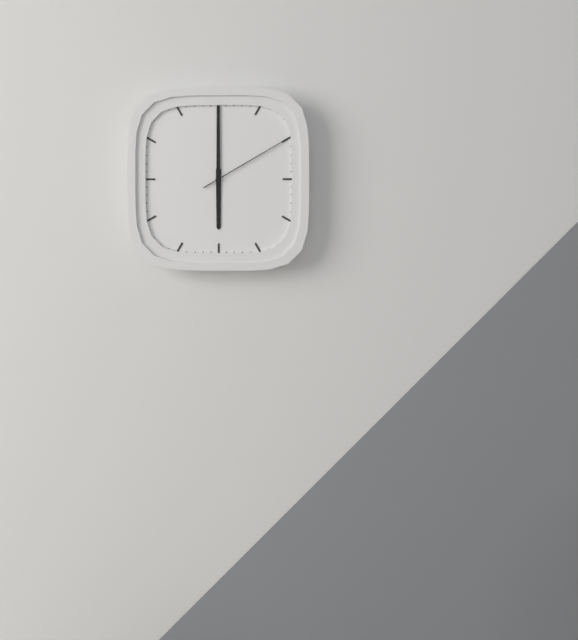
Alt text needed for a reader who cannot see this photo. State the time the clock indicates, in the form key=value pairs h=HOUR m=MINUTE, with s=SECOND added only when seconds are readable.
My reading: h=6 m=0 s=10
